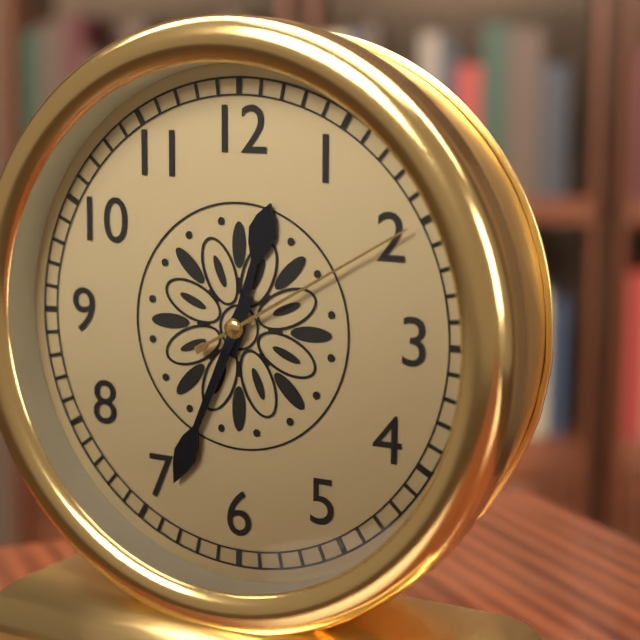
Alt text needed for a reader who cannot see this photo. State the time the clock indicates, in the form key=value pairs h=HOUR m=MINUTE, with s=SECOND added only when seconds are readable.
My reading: h=12 m=34 s=10
